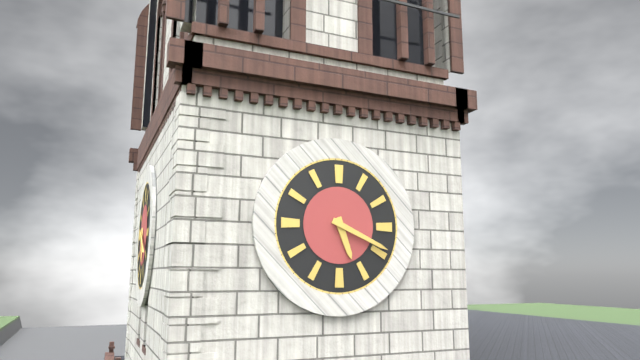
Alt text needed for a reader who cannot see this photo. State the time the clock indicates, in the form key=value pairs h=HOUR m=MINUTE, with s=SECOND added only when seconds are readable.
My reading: h=5 m=19
